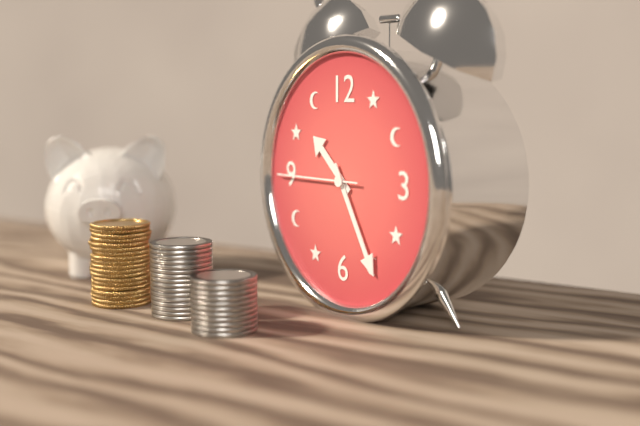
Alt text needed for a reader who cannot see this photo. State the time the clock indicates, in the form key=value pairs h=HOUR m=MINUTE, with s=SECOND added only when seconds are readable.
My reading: h=10 m=25 s=45
